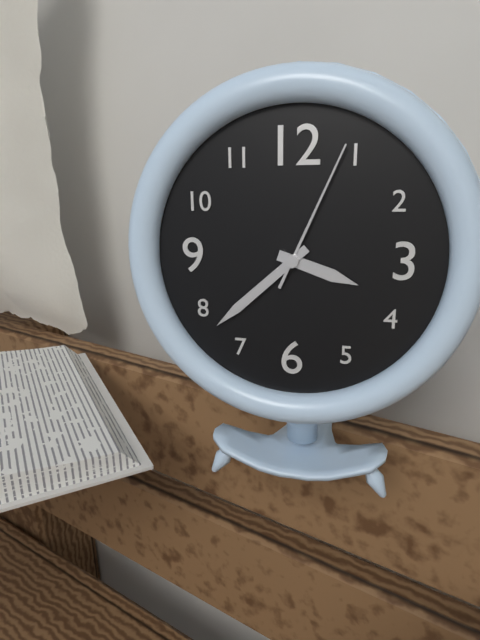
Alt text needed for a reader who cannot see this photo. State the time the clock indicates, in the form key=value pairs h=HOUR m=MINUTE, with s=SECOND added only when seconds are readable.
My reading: h=3 m=38 s=4
